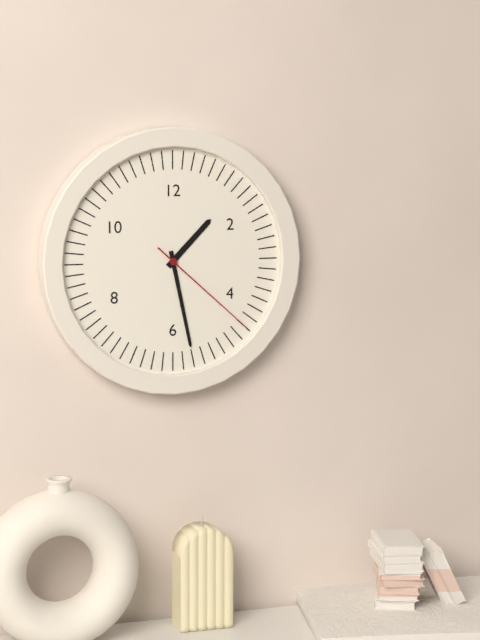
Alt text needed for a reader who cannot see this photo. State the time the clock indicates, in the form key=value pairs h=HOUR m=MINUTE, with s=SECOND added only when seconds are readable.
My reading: h=1 m=28 s=22
